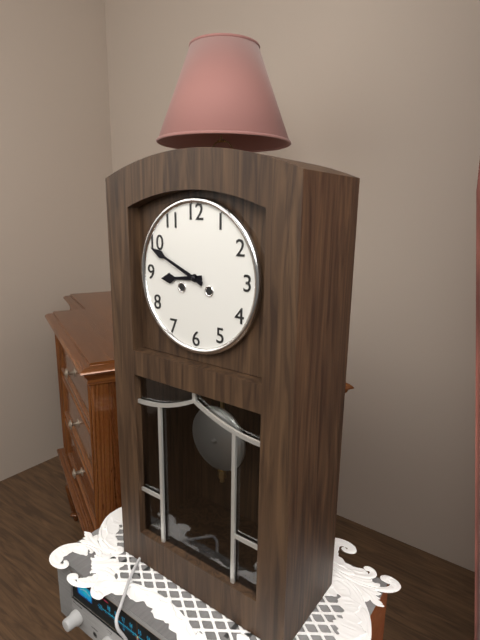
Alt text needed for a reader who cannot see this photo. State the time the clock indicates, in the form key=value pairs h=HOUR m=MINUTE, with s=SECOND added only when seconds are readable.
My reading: h=8 m=49
